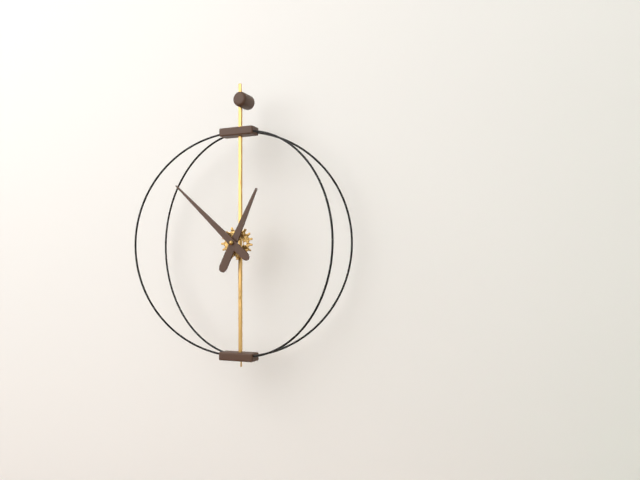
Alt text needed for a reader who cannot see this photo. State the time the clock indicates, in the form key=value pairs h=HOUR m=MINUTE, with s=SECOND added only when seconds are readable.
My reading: h=12 m=52
